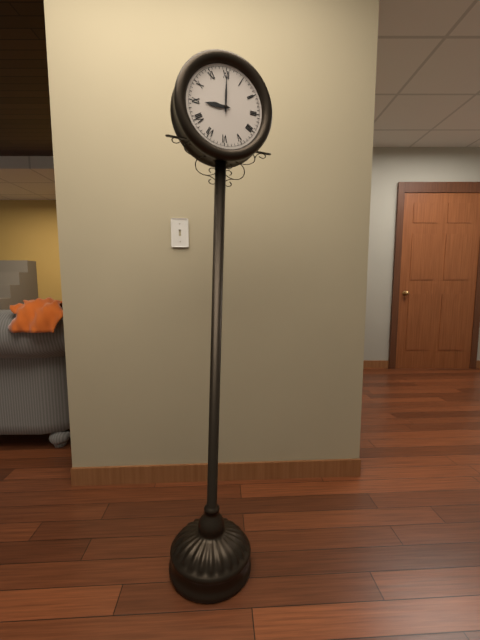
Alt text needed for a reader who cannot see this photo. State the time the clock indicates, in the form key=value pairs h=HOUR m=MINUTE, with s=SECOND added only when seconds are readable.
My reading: h=9 m=0
